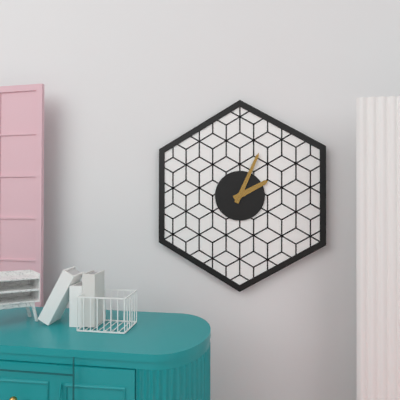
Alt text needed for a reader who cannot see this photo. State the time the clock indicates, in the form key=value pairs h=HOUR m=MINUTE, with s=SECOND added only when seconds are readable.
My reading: h=2 m=4
